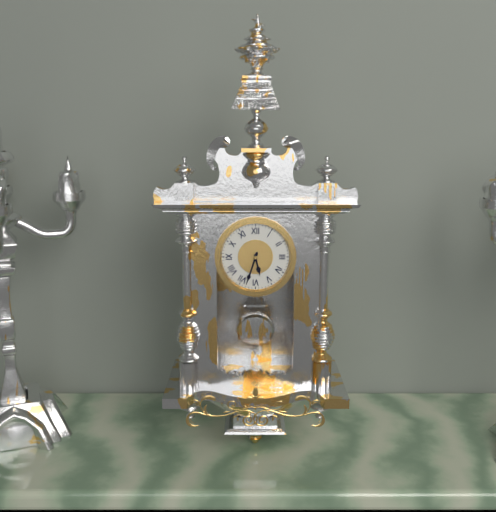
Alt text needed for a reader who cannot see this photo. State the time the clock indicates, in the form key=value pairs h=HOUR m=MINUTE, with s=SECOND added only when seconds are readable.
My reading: h=5 m=33
